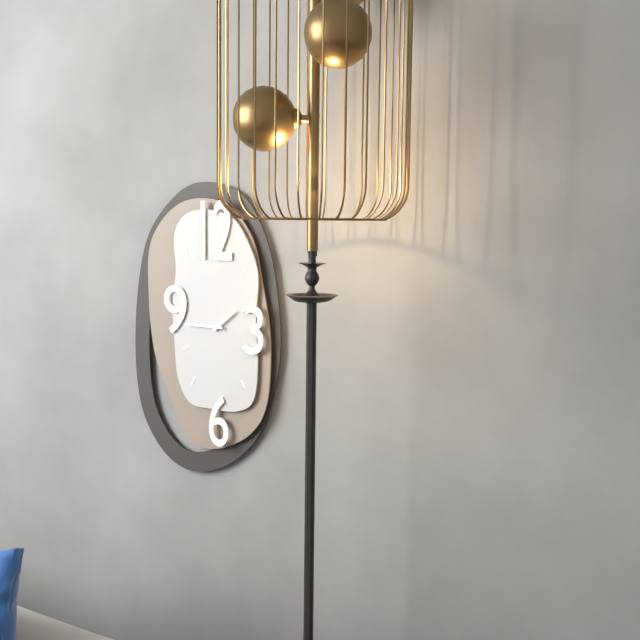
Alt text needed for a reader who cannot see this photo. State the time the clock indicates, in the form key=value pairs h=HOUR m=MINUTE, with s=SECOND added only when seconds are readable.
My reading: h=1 m=45
